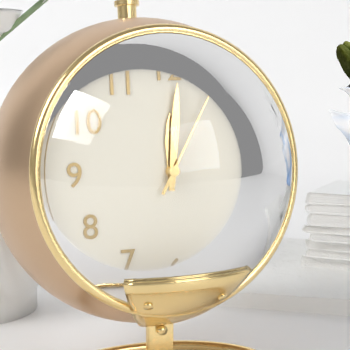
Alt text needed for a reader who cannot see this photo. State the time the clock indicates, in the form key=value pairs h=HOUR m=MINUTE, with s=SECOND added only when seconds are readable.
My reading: h=12 m=1 s=5
